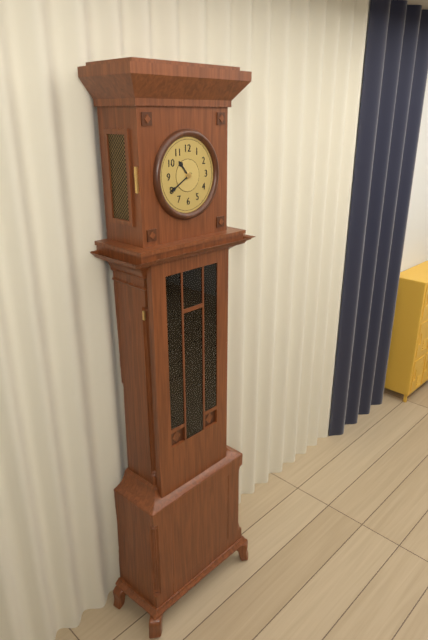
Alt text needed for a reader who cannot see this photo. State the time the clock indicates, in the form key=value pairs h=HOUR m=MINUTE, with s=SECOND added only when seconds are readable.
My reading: h=10 m=40
